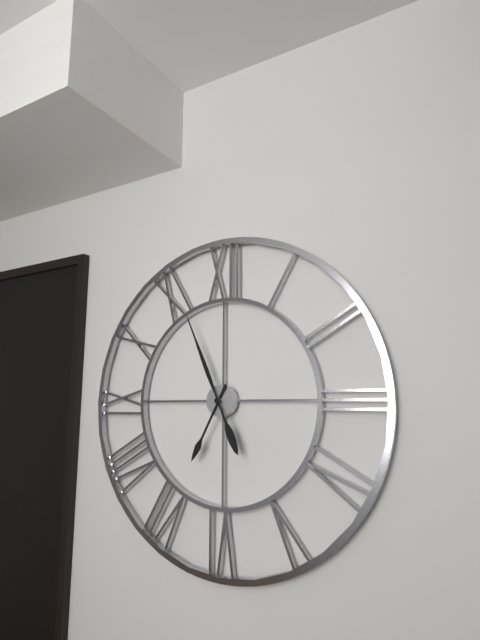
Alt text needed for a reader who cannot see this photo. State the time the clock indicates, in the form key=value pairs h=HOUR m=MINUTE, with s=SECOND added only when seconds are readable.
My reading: h=6 m=56
